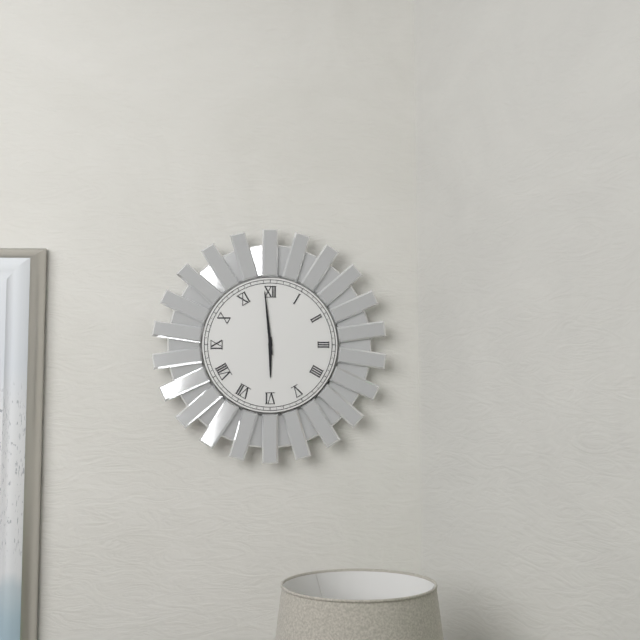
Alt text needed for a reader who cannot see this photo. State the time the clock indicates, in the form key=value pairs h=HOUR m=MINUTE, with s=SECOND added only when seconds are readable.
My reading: h=5 m=59
